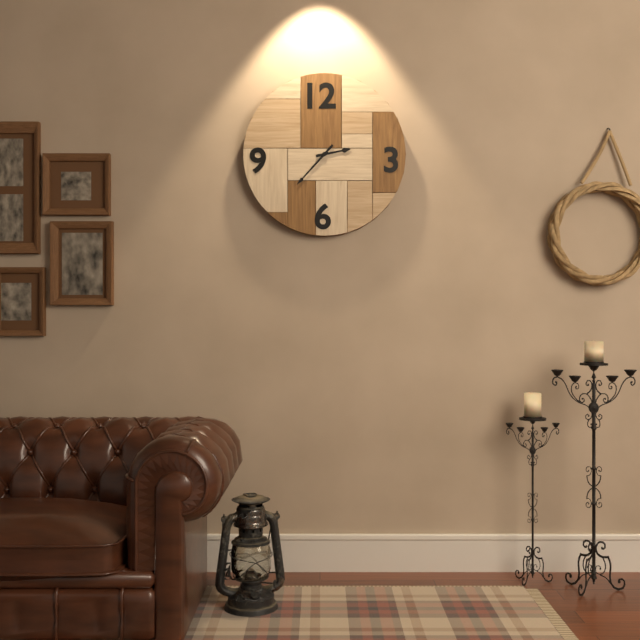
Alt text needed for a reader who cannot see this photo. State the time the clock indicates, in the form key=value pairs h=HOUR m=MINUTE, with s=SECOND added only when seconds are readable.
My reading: h=2 m=37
